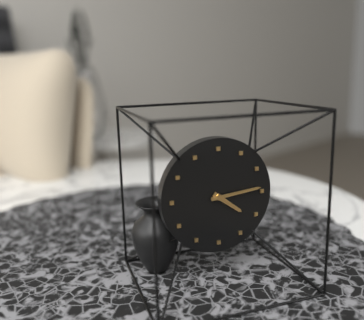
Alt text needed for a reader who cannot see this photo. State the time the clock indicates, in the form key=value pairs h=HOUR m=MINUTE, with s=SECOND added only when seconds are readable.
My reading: h=4 m=14
